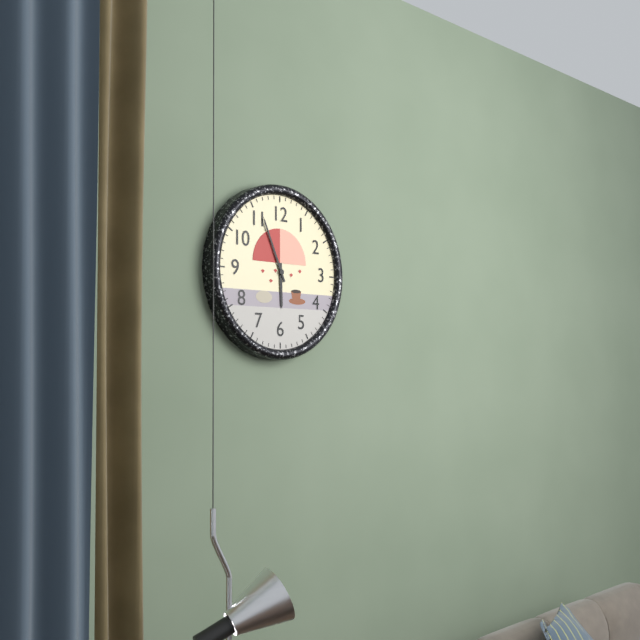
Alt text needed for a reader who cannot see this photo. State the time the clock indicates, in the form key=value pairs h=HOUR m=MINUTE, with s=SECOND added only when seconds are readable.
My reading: h=5 m=56
